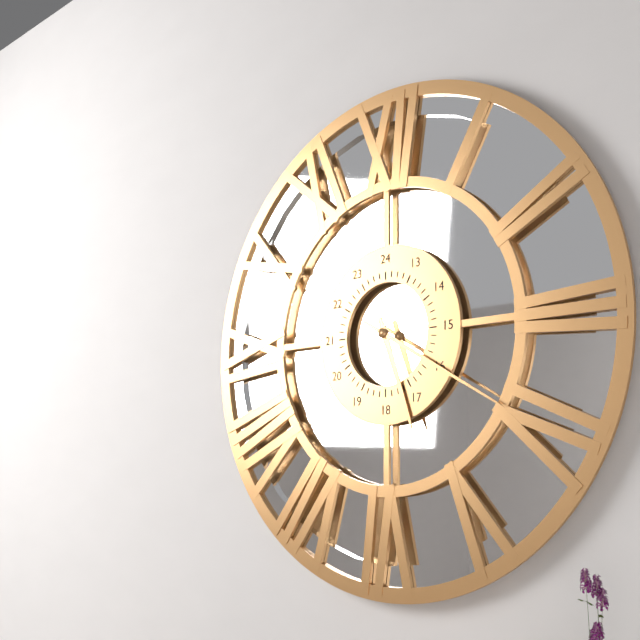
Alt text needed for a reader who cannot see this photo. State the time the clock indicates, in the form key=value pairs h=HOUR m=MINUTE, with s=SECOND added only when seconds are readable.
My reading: h=5 m=20
